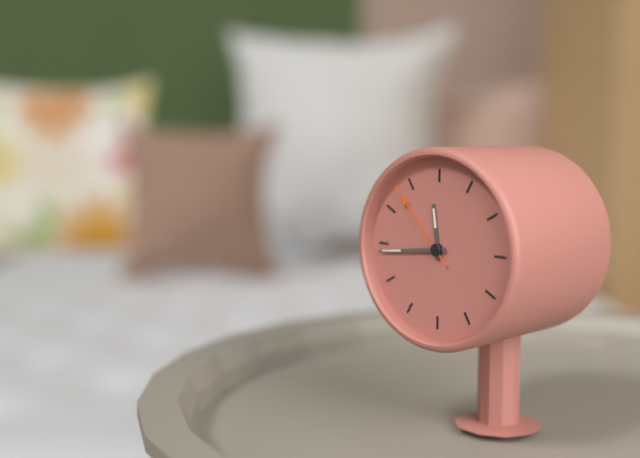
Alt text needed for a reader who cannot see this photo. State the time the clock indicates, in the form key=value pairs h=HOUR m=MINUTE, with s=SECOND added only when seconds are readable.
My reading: h=11 m=44 s=53
